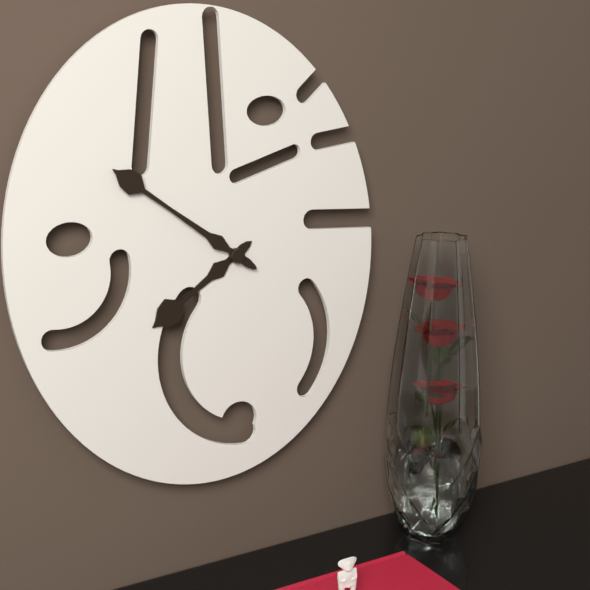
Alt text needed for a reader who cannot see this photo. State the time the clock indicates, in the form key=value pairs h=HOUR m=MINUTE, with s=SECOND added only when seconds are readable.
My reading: h=7 m=51
